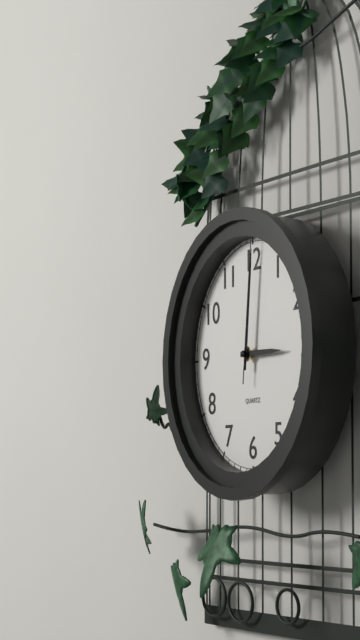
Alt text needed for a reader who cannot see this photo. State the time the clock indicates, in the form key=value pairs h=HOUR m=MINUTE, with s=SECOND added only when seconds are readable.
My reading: h=3 m=1 s=1
